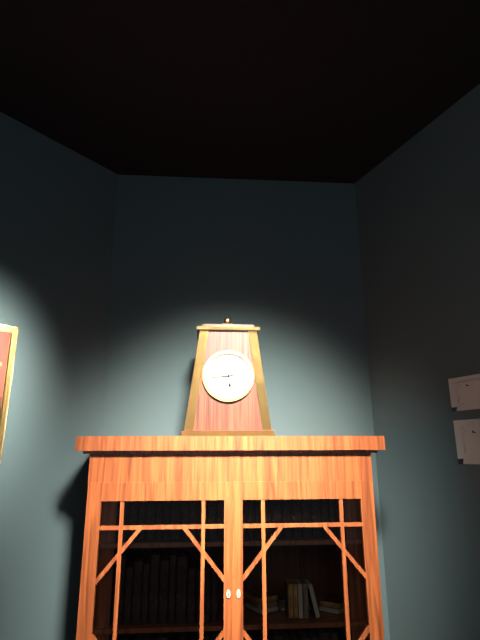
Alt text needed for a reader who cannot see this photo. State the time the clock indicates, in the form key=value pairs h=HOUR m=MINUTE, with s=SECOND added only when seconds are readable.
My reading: h=5 m=44
